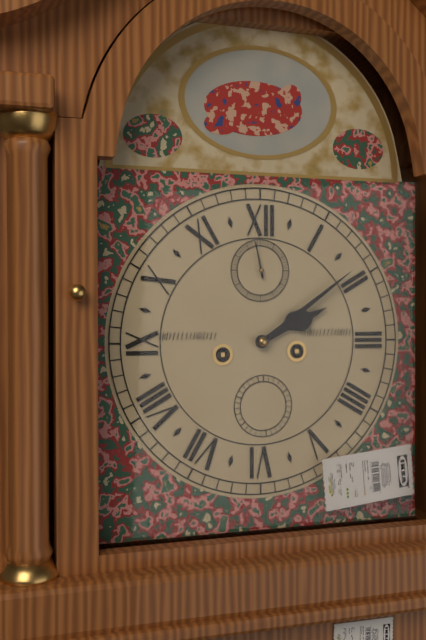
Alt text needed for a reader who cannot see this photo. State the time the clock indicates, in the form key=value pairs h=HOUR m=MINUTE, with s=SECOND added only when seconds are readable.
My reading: h=2 m=9
